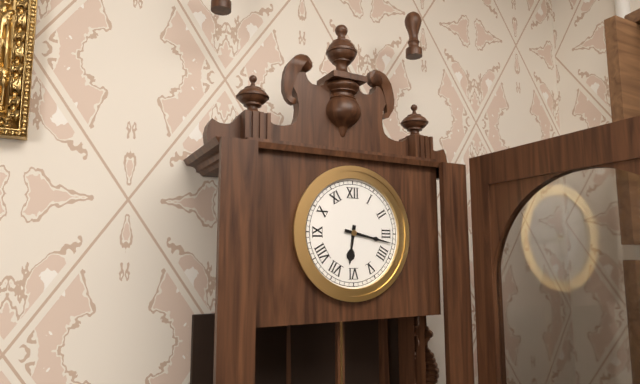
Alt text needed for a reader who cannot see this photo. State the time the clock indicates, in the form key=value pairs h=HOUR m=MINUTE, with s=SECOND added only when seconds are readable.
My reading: h=6 m=17
